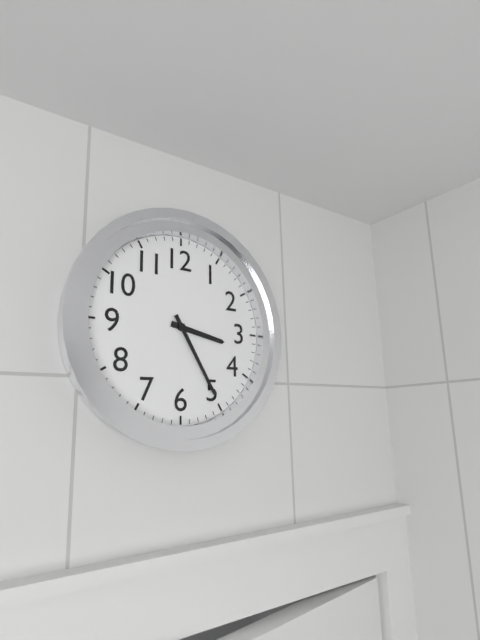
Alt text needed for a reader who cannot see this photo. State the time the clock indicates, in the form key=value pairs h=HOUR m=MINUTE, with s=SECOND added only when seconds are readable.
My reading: h=3 m=25
